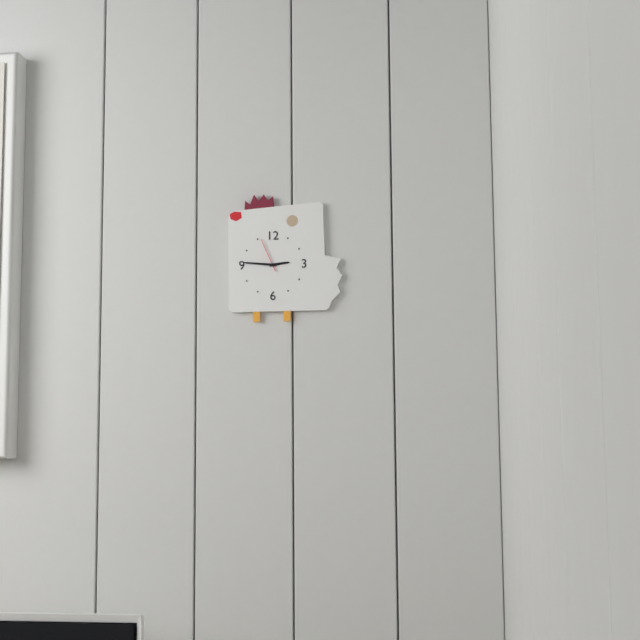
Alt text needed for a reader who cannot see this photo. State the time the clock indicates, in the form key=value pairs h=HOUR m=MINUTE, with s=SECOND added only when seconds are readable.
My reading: h=2 m=46
